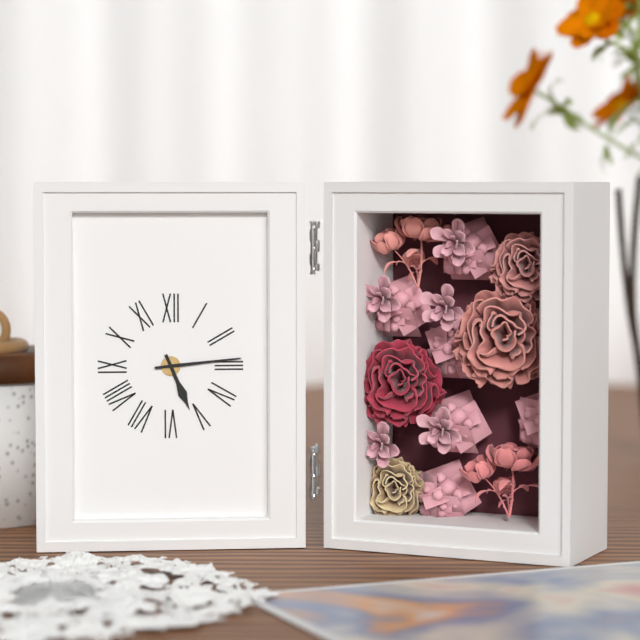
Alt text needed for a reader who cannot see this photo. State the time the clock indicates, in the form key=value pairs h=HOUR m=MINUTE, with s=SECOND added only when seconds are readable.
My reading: h=5 m=14
